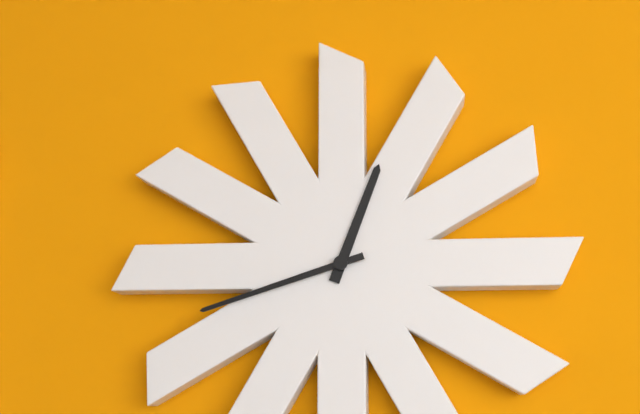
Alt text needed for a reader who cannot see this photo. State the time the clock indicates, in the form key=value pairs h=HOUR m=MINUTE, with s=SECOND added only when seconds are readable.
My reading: h=12 m=42
